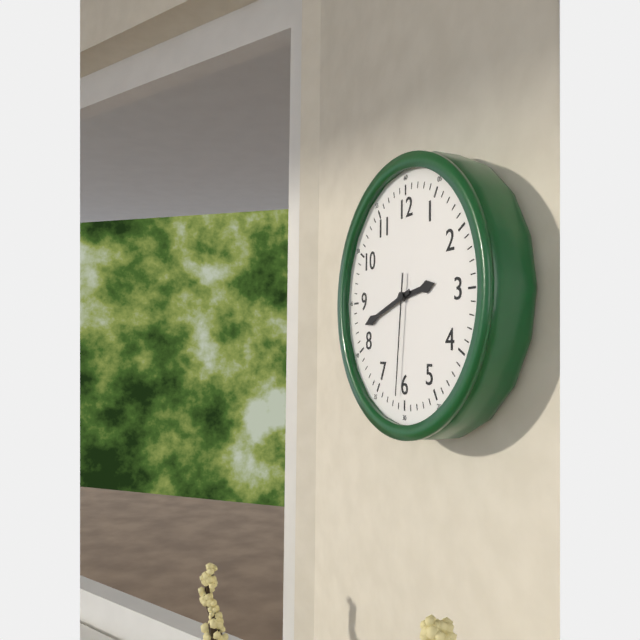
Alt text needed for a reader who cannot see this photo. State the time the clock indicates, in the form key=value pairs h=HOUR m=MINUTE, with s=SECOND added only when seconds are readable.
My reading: h=2 m=42 s=31
